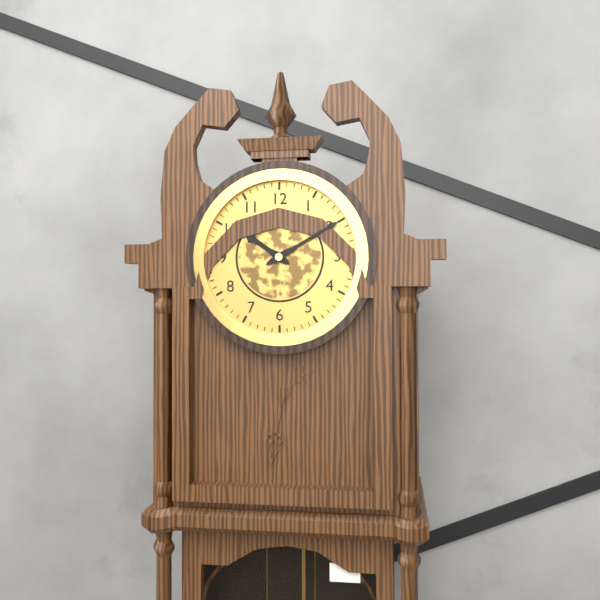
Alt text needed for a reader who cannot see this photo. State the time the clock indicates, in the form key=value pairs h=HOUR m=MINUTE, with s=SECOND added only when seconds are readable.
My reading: h=10 m=10
